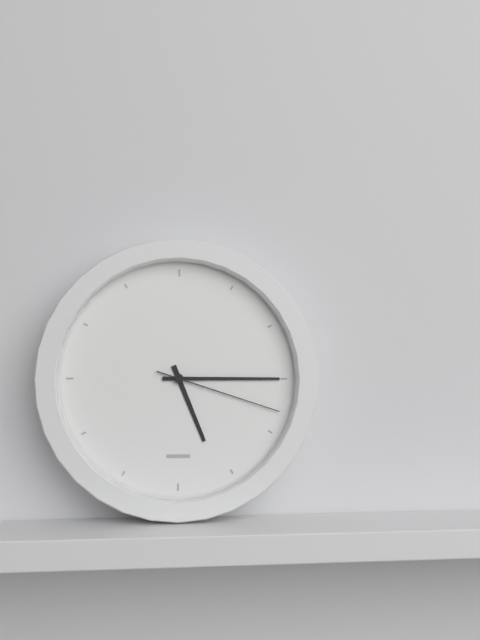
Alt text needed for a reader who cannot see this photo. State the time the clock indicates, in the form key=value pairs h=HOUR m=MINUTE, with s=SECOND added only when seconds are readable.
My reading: h=5 m=15 s=18
